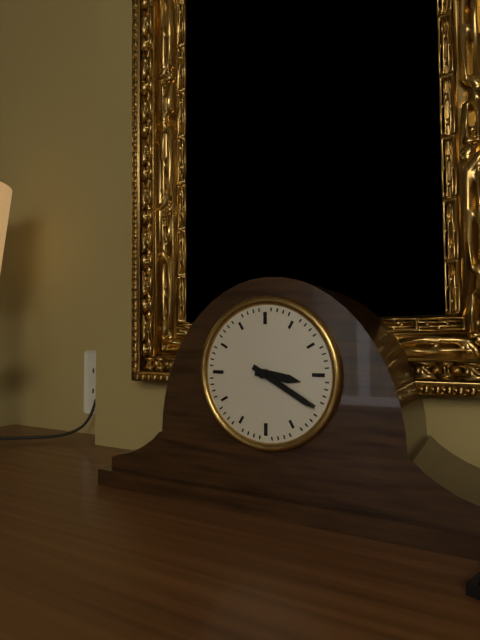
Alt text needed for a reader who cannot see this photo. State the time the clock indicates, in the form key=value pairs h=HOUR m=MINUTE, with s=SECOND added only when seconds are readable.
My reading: h=3 m=20
